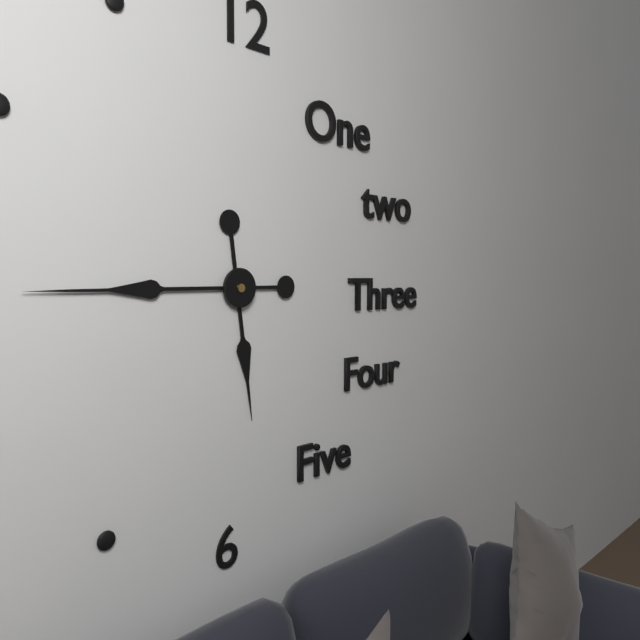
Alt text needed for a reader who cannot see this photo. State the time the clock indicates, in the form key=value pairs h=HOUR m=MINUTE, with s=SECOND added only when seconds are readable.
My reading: h=5 m=45
